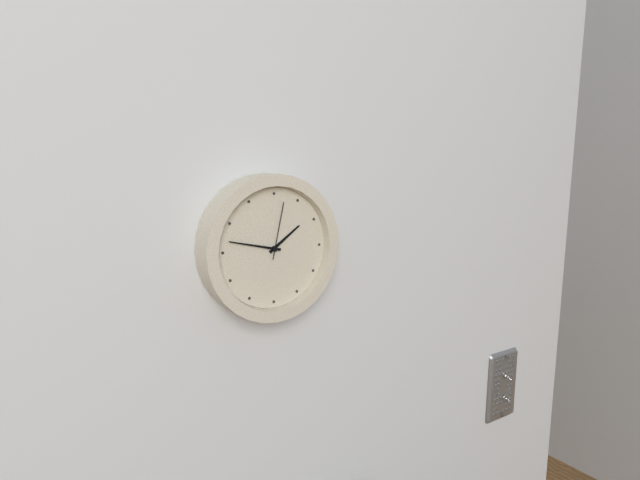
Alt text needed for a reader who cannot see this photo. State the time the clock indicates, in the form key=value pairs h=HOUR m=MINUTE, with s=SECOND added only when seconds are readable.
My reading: h=1 m=47 s=2
